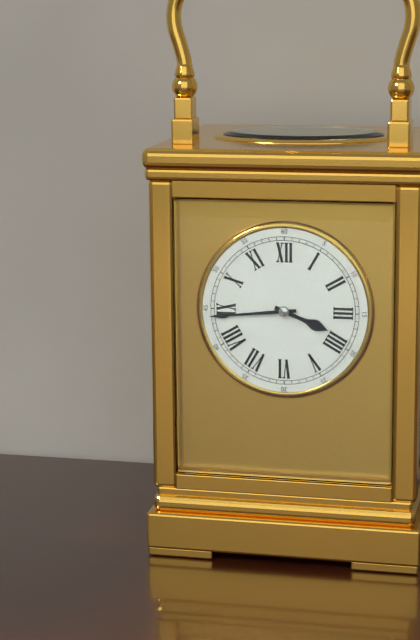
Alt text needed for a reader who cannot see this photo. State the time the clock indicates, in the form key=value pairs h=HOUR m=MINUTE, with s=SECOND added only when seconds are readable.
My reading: h=3 m=44
